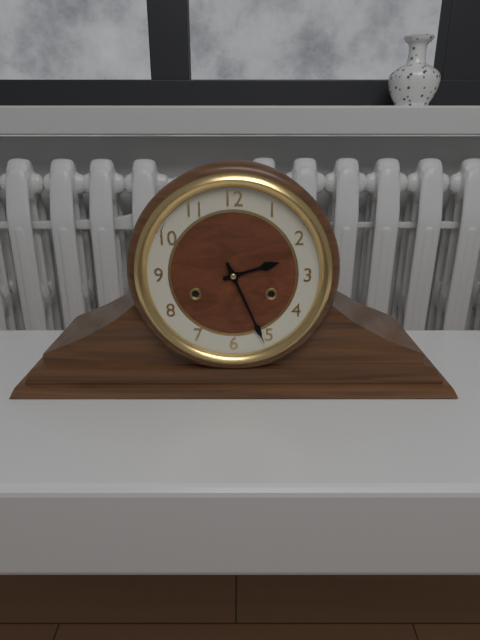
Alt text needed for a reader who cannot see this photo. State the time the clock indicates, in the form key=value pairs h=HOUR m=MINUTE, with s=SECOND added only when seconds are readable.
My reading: h=2 m=26
